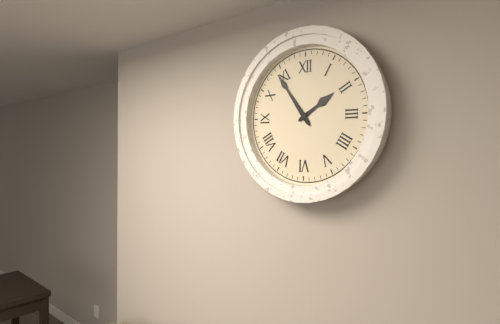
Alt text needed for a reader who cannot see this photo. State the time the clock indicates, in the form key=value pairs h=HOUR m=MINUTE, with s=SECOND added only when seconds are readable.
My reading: h=1 m=54
